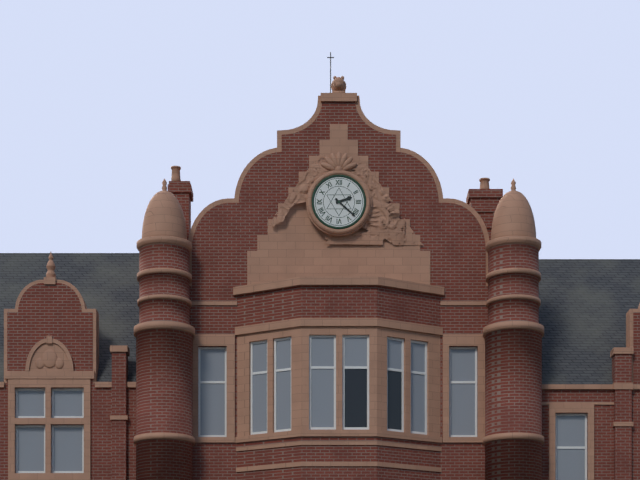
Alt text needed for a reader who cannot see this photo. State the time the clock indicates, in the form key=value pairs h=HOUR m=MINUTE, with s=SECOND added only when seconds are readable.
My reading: h=2 m=22
